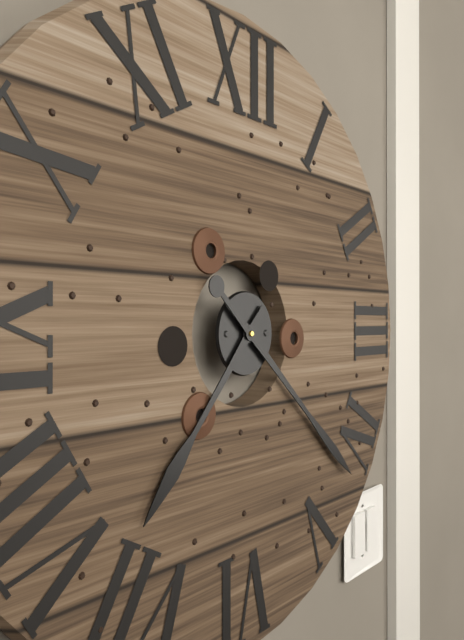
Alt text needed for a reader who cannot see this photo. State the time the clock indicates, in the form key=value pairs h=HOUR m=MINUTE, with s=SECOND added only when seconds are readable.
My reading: h=7 m=22
